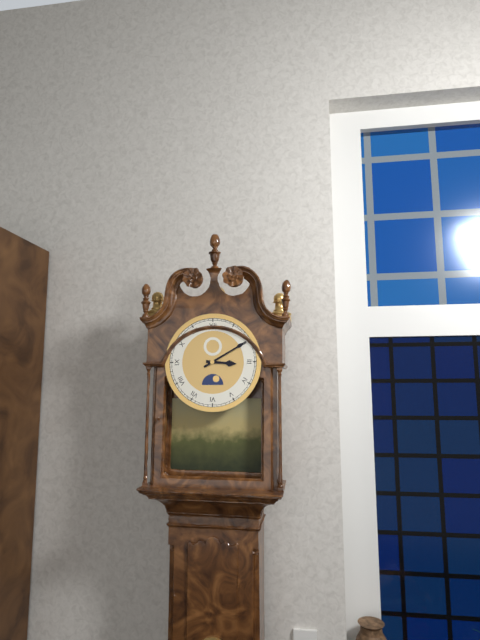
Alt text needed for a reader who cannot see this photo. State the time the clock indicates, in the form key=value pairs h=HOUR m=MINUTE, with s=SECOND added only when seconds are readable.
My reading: h=3 m=10
